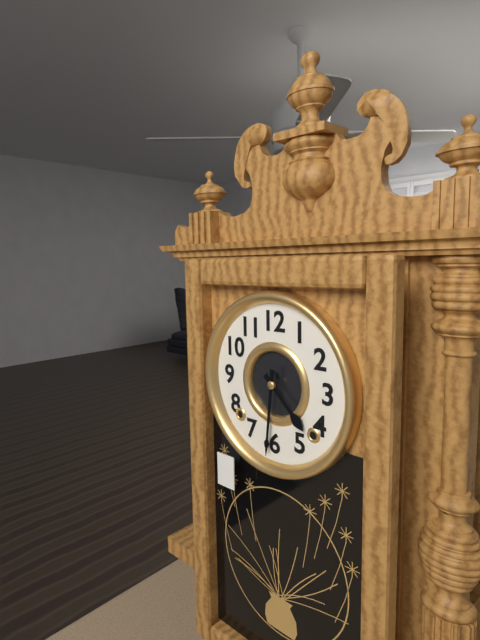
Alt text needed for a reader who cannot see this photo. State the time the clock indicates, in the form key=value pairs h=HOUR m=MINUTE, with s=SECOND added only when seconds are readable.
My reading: h=4 m=31
